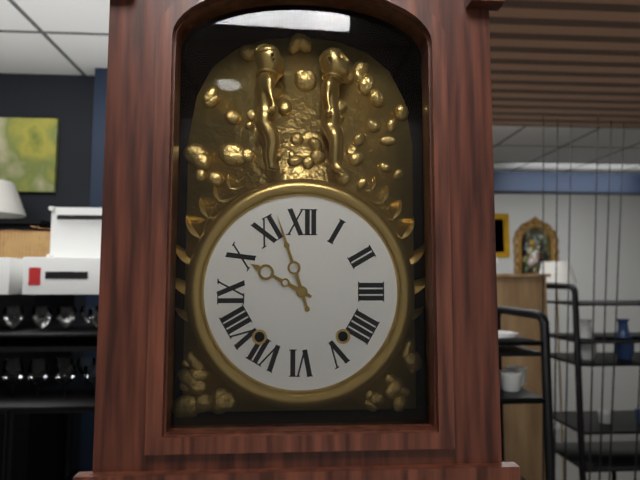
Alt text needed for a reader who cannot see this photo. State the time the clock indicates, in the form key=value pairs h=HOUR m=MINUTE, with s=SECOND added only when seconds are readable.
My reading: h=9 m=57
